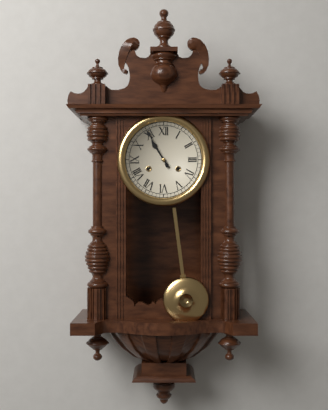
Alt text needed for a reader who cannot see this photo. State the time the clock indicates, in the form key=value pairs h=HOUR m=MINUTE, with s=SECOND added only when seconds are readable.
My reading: h=10 m=55
